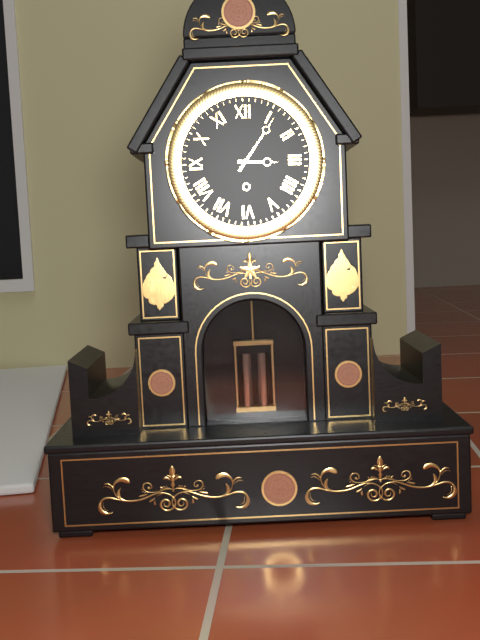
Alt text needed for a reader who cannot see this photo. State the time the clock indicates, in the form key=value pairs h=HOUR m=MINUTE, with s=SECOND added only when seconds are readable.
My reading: h=3 m=6
